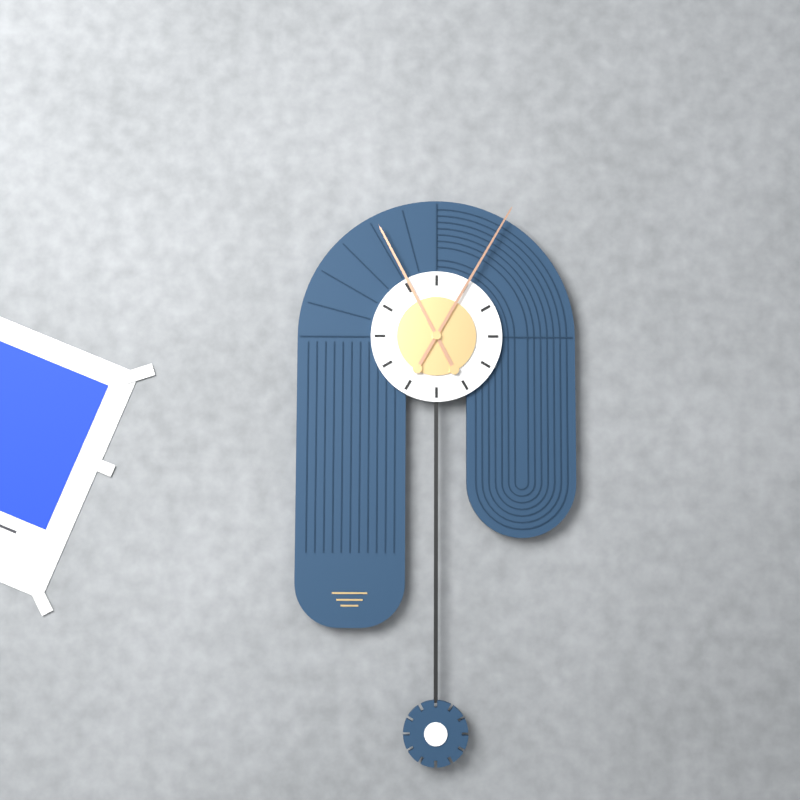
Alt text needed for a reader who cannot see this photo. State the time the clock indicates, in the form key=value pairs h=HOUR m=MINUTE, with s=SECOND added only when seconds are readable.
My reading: h=11 m=5
